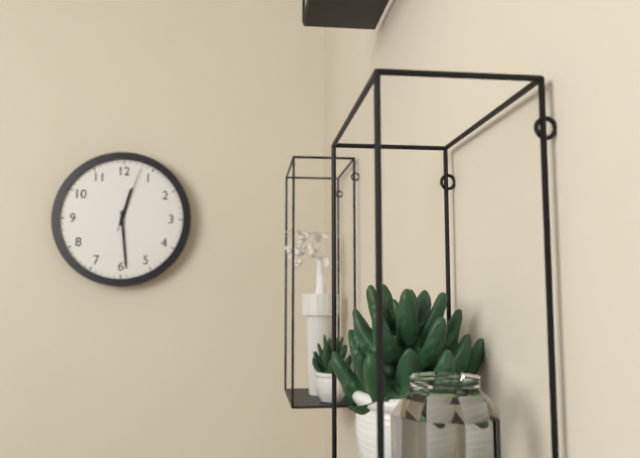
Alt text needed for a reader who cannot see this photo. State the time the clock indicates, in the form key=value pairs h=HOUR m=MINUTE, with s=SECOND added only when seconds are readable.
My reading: h=12 m=29 s=3
